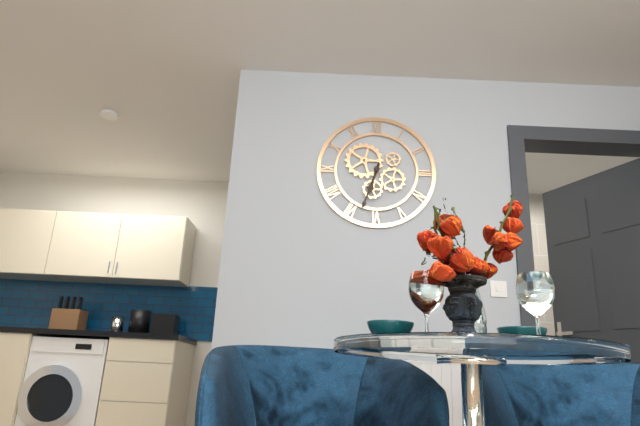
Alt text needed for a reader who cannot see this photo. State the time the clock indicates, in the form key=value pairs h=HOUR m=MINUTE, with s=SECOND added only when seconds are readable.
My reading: h=6 m=33
